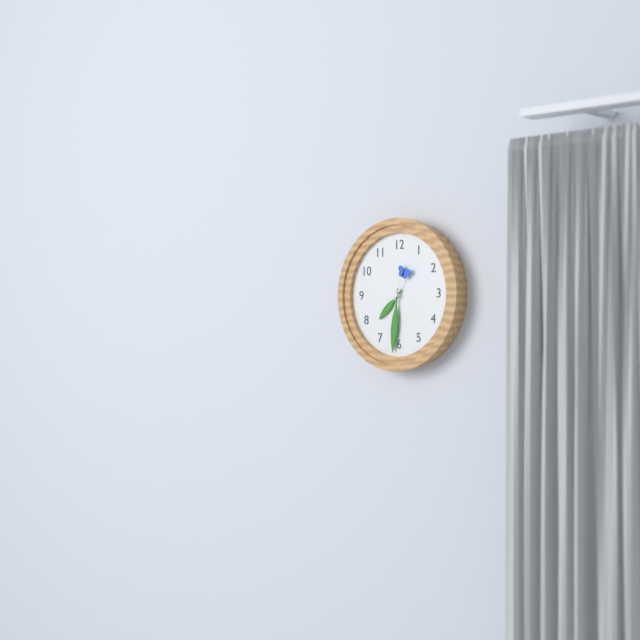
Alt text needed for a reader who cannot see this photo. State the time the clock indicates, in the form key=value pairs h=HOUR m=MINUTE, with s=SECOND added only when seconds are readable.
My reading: h=7 m=31
